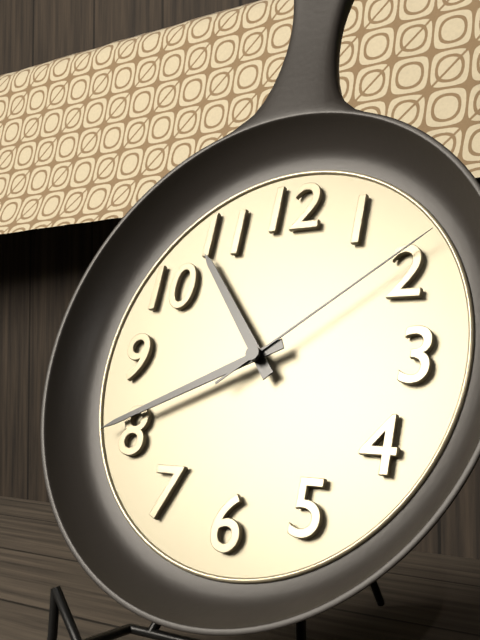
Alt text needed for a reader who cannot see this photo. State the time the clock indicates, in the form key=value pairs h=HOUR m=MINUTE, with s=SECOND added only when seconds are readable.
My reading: h=10 m=41 s=9
